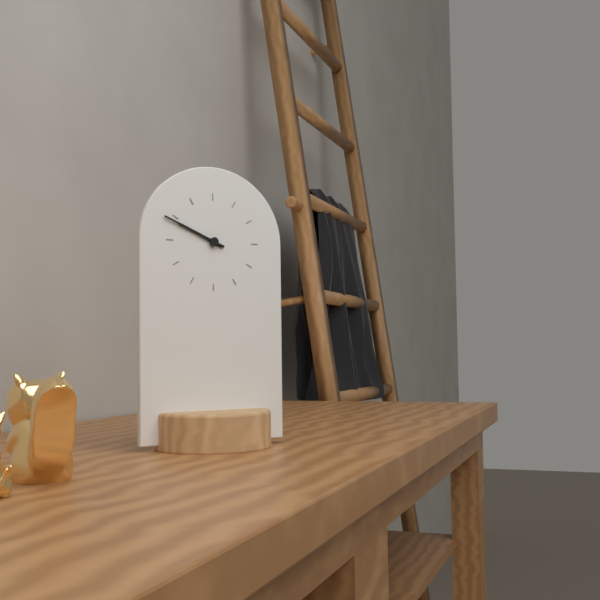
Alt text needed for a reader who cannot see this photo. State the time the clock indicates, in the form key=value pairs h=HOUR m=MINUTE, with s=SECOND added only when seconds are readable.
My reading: h=9 m=49
